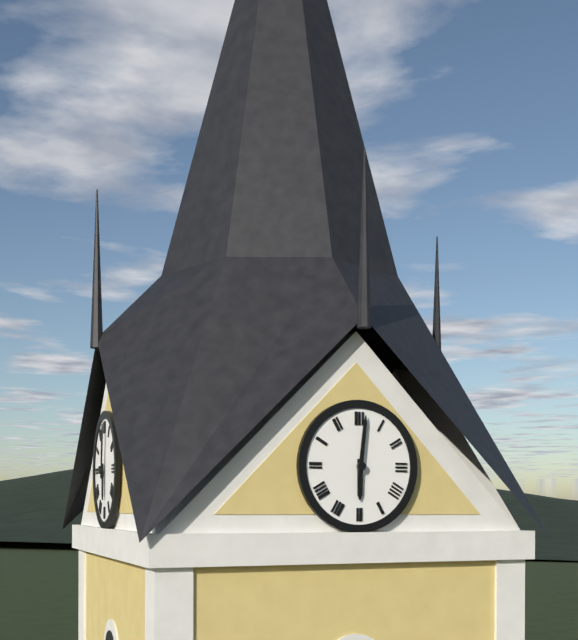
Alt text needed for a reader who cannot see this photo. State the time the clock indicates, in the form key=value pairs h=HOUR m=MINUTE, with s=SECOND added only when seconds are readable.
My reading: h=6 m=1
